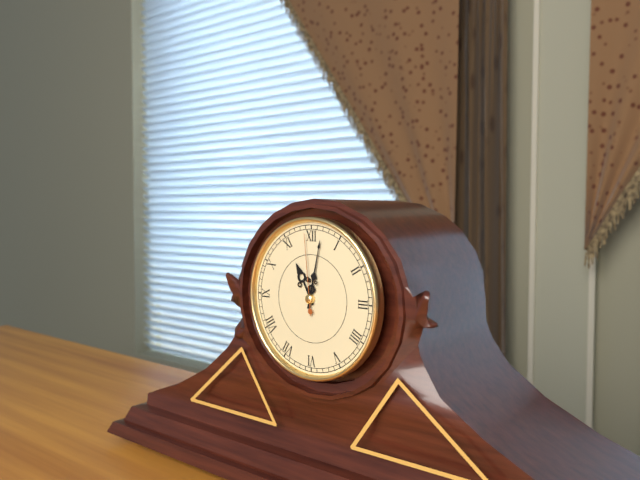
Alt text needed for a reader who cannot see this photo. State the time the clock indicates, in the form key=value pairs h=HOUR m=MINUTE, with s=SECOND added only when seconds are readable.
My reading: h=11 m=2 s=59
